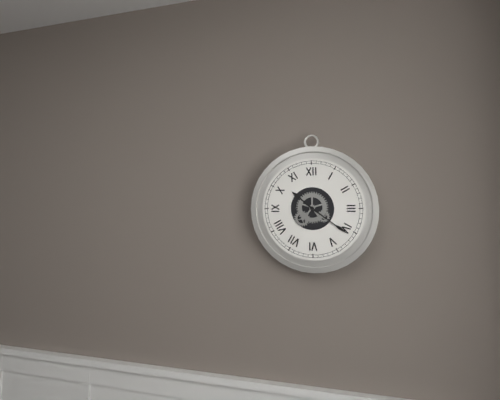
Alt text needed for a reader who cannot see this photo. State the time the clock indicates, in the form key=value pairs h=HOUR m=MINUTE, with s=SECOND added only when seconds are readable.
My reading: h=10 m=21
